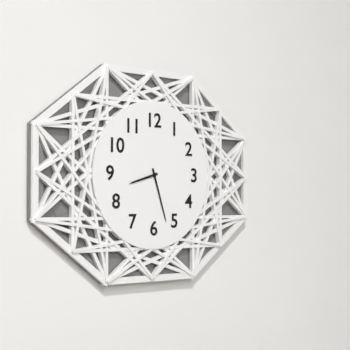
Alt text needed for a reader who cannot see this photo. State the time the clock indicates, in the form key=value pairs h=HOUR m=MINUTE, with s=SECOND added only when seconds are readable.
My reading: h=8 m=27
